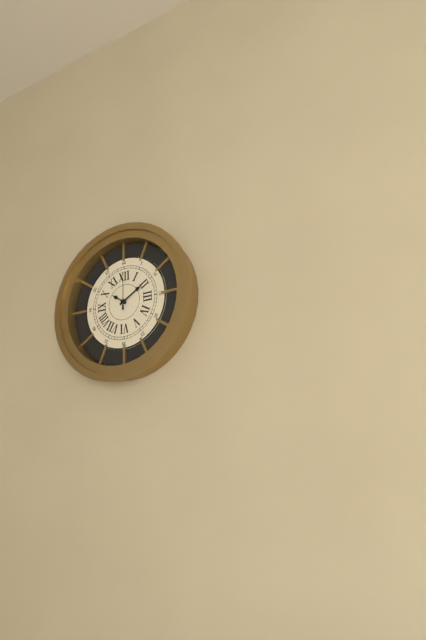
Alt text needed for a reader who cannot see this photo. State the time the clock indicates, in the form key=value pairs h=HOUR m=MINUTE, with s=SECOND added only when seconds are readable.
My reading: h=10 m=10
